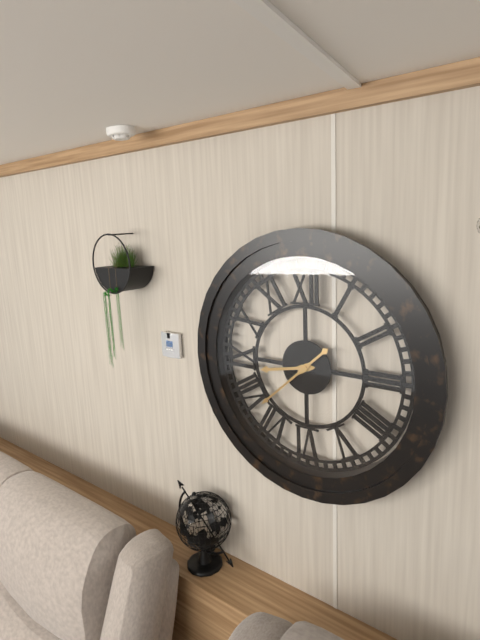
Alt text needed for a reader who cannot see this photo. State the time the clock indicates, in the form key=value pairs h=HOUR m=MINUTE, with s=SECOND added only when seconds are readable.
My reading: h=8 m=38
